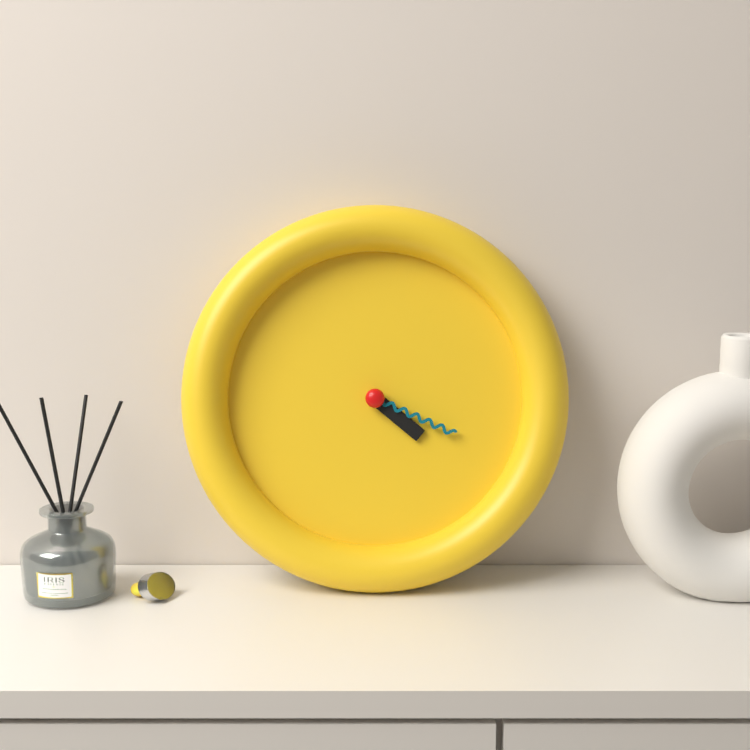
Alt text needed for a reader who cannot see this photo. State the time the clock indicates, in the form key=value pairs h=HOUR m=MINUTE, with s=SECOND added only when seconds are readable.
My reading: h=4 m=19
